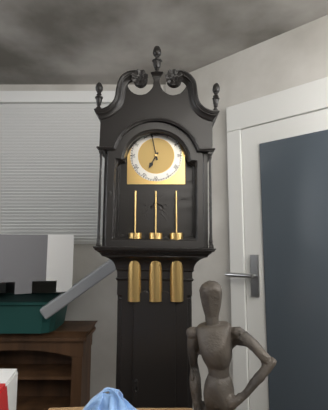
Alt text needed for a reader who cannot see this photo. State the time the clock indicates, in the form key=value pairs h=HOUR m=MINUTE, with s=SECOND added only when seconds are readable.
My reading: h=6 m=58
